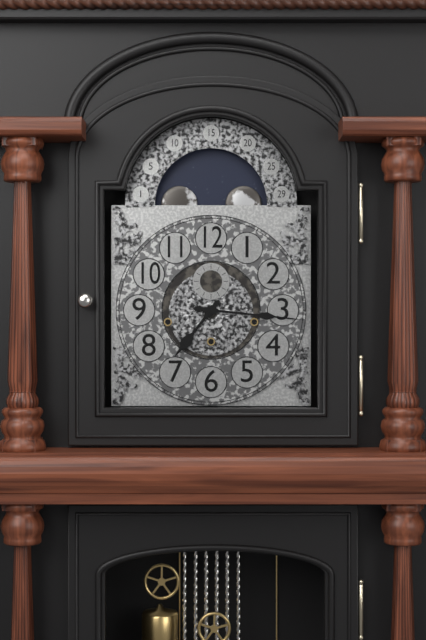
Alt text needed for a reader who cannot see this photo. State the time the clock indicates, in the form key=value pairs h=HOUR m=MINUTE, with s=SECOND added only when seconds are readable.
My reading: h=7 m=16
